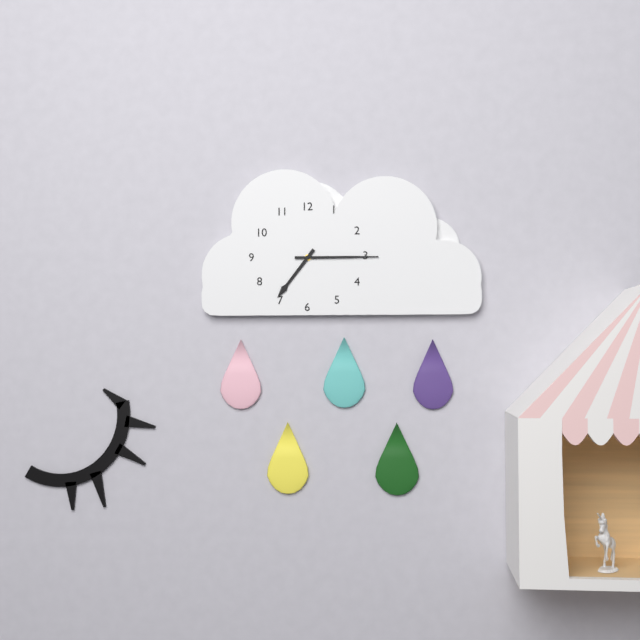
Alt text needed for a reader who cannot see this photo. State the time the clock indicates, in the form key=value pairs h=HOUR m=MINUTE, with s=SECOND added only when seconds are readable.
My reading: h=7 m=15
